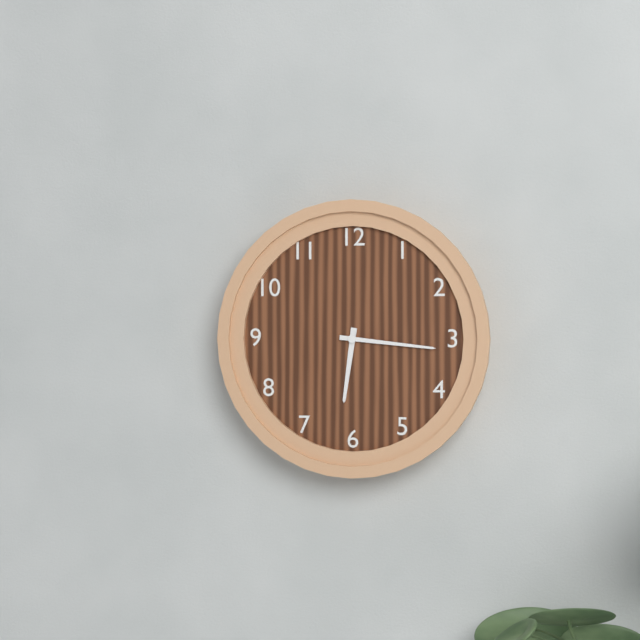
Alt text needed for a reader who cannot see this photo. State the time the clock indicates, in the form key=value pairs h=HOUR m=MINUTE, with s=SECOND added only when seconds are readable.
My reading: h=6 m=16
